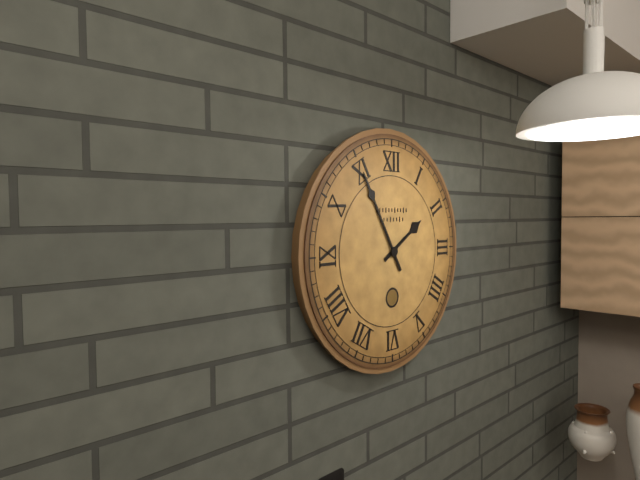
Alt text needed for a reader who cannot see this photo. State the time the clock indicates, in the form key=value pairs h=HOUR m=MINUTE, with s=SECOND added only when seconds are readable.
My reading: h=1 m=55
